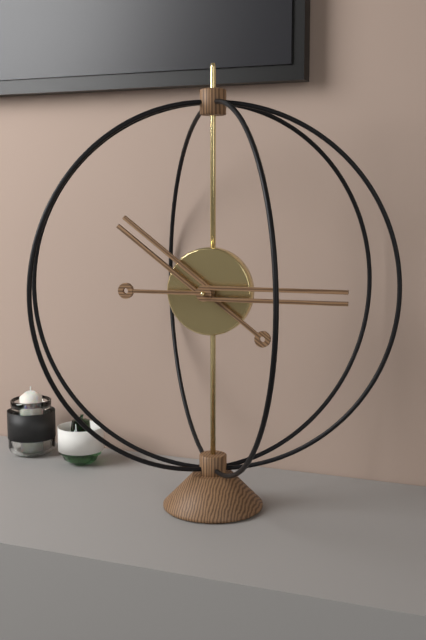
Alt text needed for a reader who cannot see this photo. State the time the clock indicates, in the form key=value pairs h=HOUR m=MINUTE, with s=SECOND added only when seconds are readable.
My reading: h=10 m=15
